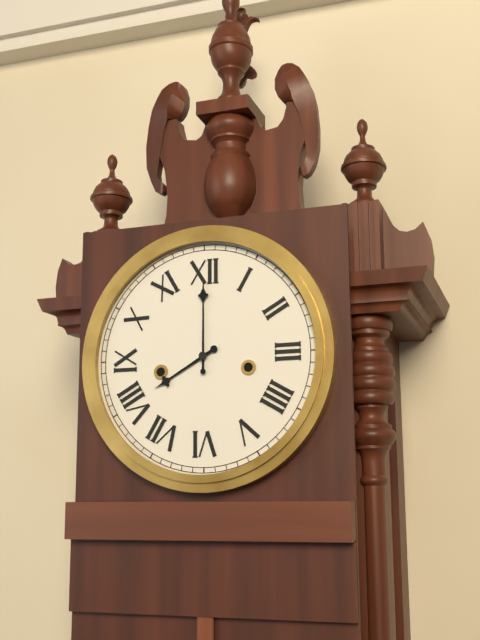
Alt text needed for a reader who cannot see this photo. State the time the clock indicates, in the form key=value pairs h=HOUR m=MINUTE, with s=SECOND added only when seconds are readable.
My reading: h=8 m=0
